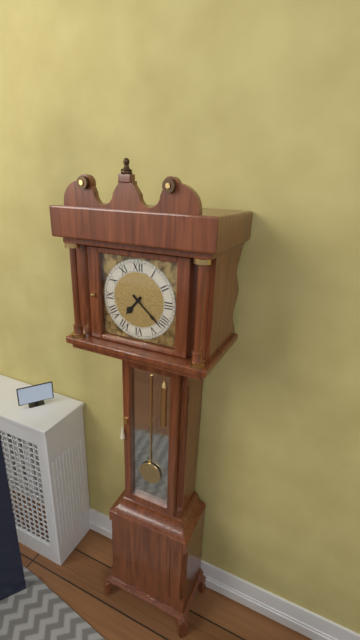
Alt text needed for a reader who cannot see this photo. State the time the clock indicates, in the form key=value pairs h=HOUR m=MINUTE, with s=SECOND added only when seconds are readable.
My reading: h=7 m=22
